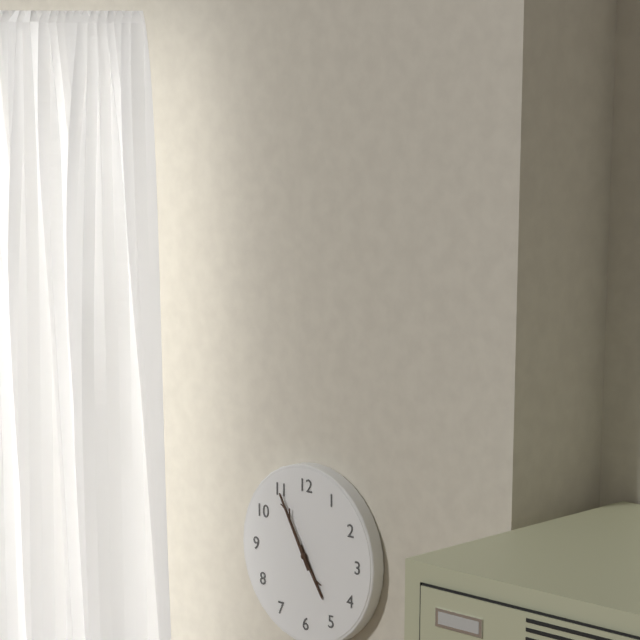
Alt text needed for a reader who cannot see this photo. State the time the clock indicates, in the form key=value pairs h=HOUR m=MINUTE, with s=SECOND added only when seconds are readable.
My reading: h=4 m=55
